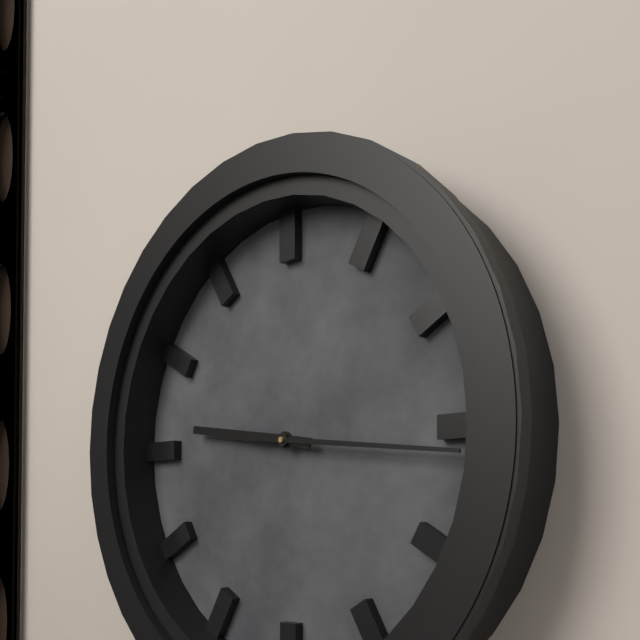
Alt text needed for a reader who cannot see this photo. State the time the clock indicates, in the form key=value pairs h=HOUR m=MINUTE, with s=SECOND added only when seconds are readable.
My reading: h=9 m=16
